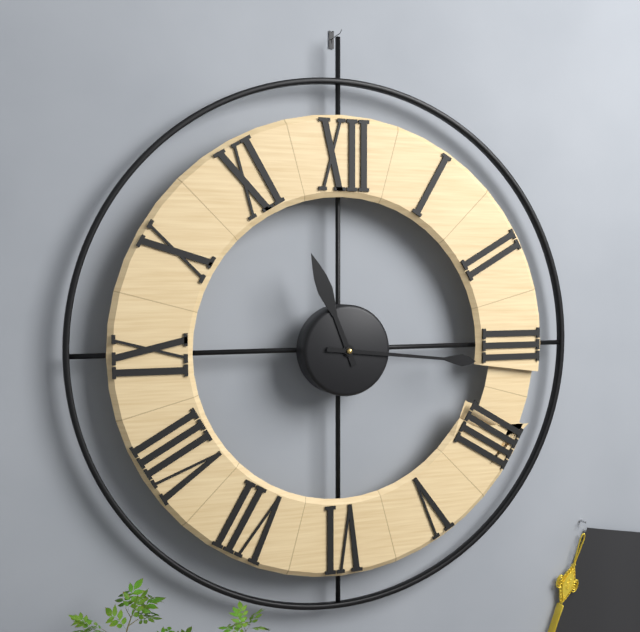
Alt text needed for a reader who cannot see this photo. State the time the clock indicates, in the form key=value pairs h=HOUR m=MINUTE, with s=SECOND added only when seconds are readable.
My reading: h=11 m=16
